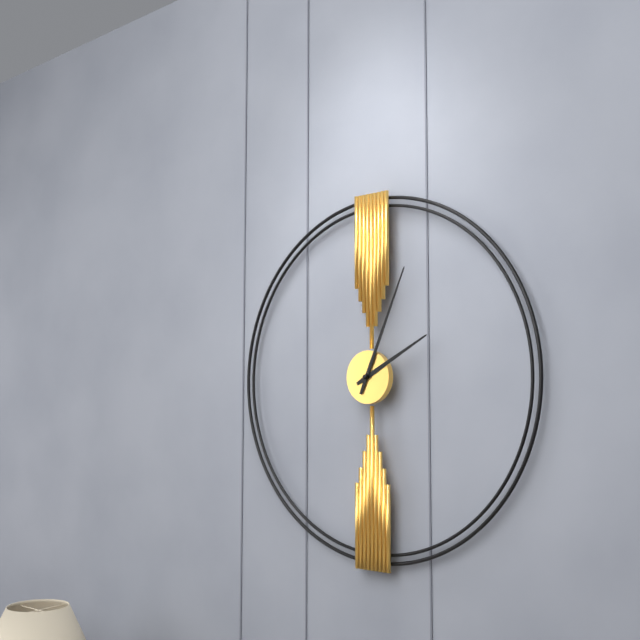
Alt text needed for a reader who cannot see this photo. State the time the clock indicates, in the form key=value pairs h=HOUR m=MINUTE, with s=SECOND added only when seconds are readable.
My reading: h=2 m=4
